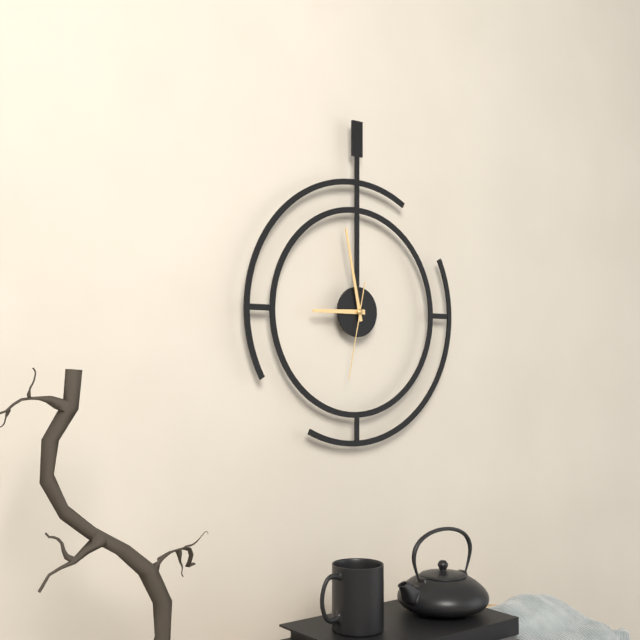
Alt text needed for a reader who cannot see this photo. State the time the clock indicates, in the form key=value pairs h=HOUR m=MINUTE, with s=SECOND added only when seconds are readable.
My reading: h=8 m=58 s=32
